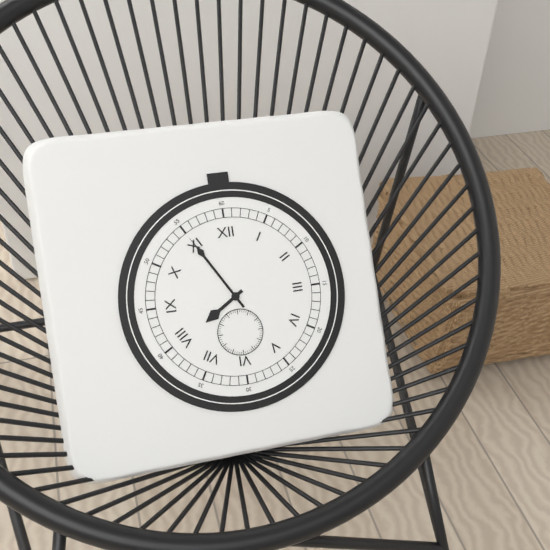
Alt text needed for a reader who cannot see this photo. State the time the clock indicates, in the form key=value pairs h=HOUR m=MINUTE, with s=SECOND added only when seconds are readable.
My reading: h=7 m=55
